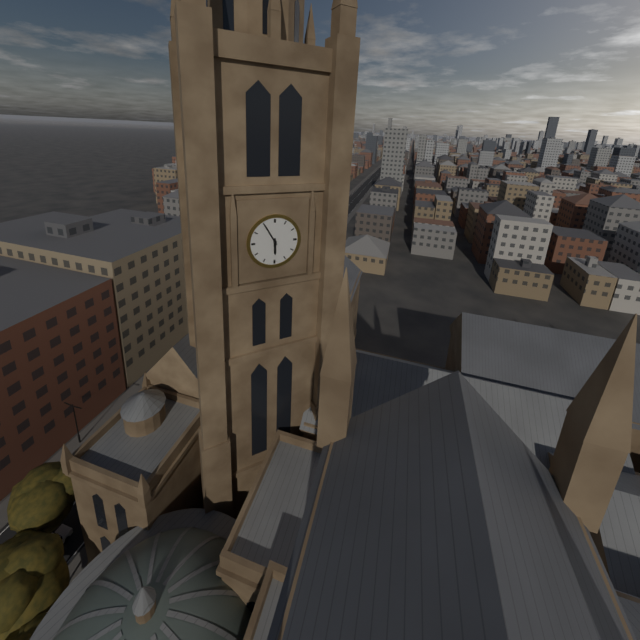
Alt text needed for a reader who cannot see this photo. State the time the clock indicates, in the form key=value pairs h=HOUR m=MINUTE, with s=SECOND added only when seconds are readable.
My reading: h=5 m=55
